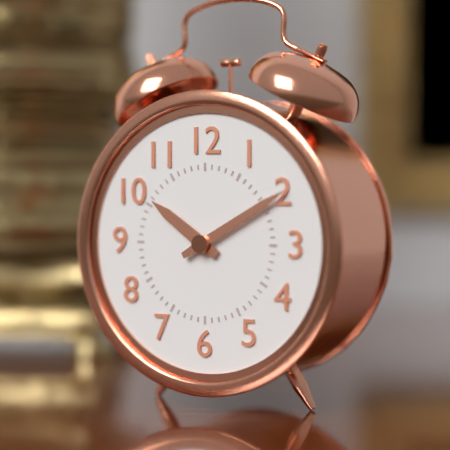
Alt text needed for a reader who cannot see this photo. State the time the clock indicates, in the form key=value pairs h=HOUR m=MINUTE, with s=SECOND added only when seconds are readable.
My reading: h=10 m=10
